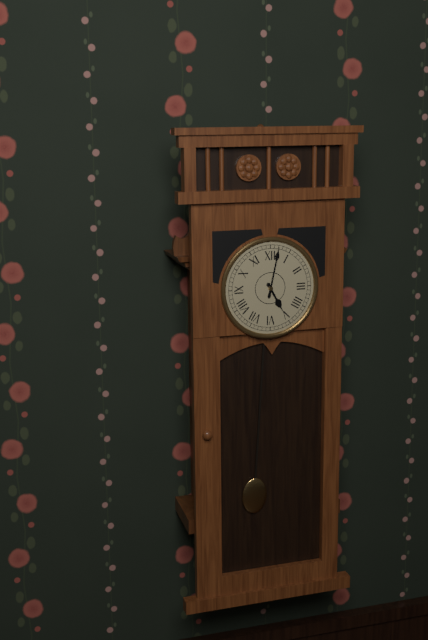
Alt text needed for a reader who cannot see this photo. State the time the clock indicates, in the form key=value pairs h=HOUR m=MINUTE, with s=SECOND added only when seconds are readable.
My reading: h=5 m=2
